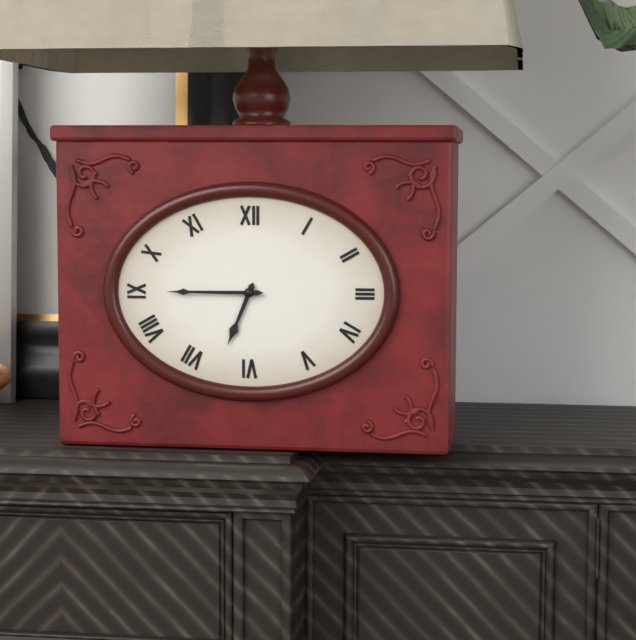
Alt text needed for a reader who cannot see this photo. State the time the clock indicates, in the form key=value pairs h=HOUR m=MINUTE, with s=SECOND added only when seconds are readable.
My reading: h=6 m=45
